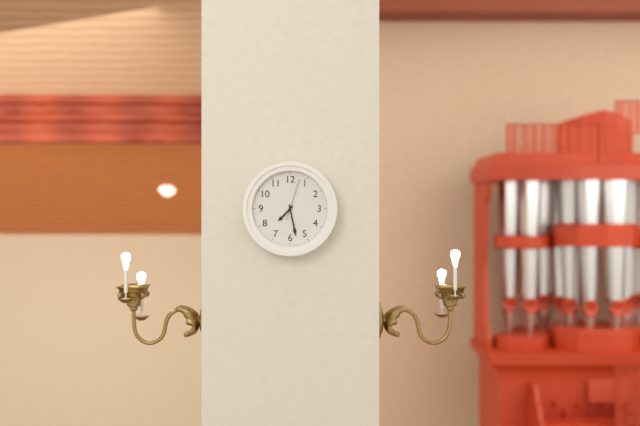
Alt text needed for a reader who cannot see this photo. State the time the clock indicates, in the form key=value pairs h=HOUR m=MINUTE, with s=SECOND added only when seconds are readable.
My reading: h=7 m=28
